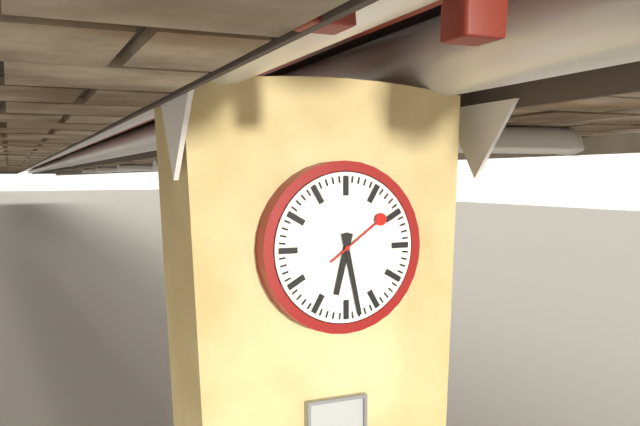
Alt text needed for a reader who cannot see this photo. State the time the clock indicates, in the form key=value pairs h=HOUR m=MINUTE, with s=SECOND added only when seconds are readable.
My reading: h=6 m=28 s=9
